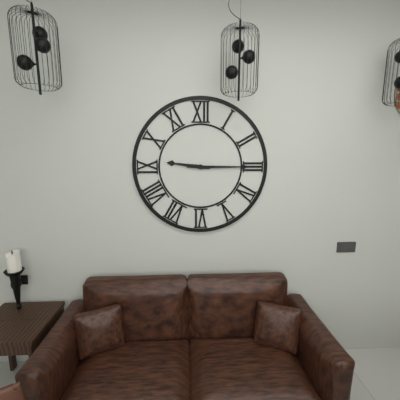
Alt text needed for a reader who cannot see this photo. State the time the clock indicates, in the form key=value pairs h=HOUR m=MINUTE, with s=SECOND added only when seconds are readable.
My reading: h=9 m=15
